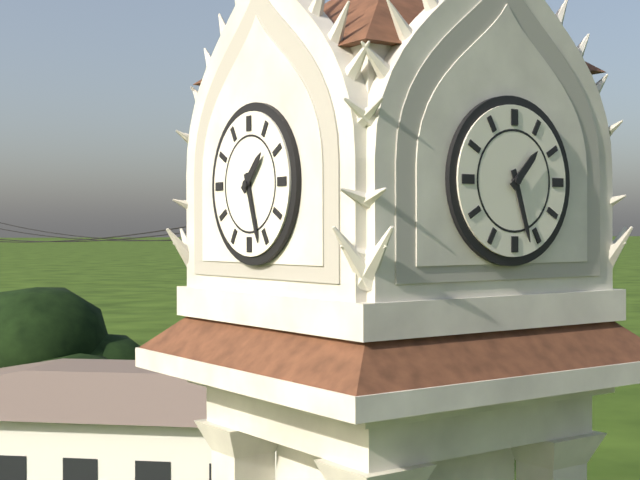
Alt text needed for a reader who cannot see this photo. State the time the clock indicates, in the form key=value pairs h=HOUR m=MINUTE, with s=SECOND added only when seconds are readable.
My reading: h=1 m=27
